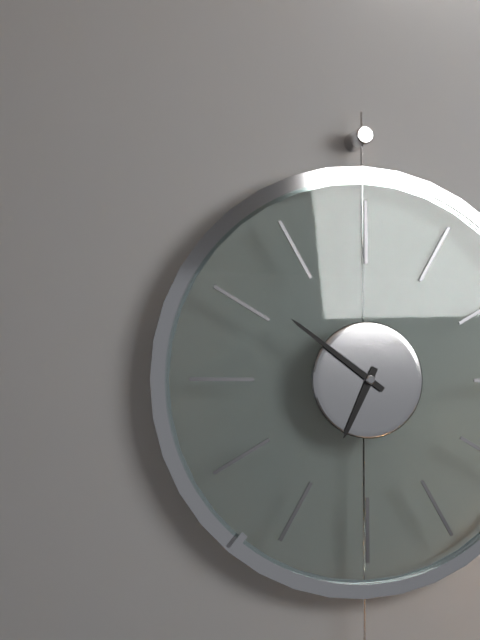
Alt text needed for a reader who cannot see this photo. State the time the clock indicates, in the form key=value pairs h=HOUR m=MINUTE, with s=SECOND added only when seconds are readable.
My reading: h=6 m=51
